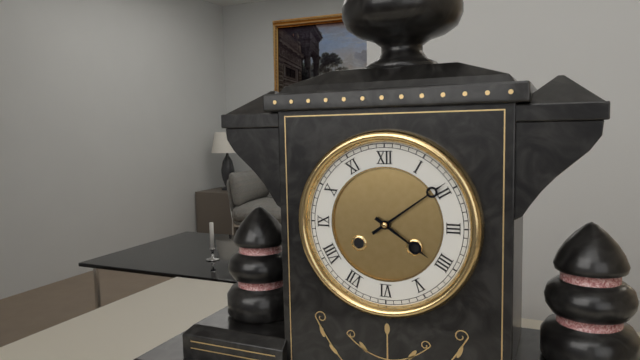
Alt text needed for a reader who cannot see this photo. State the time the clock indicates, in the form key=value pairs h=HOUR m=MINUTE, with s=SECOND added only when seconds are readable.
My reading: h=4 m=9
